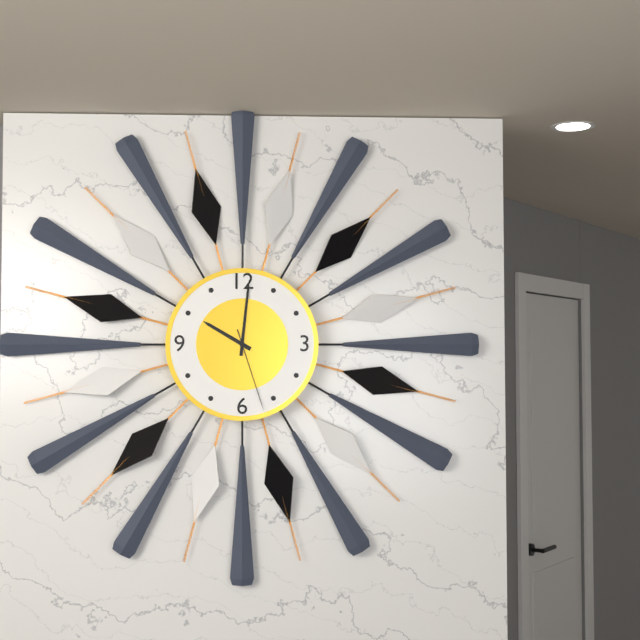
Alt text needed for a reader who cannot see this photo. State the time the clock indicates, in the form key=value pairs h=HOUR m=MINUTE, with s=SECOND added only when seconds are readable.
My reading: h=10 m=1 s=27
